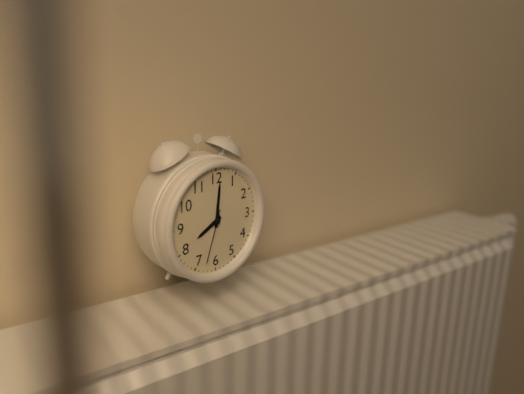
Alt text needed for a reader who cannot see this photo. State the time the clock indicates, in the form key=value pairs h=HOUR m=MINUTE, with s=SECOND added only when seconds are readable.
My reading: h=8 m=1 s=33
